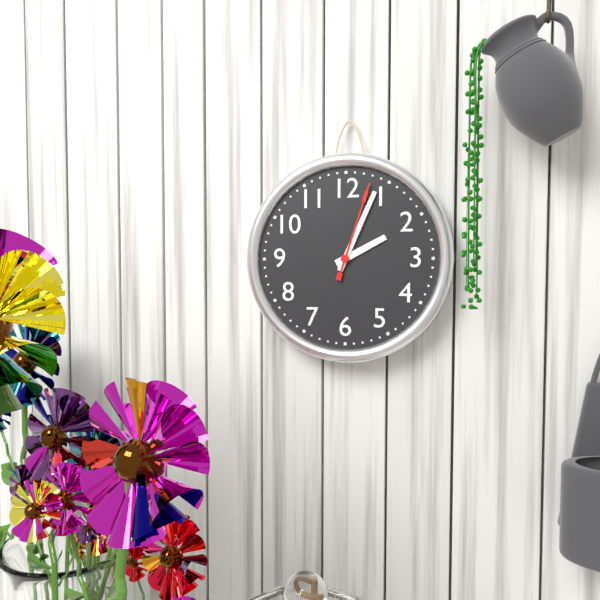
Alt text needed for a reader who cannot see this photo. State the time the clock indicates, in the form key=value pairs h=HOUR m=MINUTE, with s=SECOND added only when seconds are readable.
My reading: h=2 m=4 s=3
